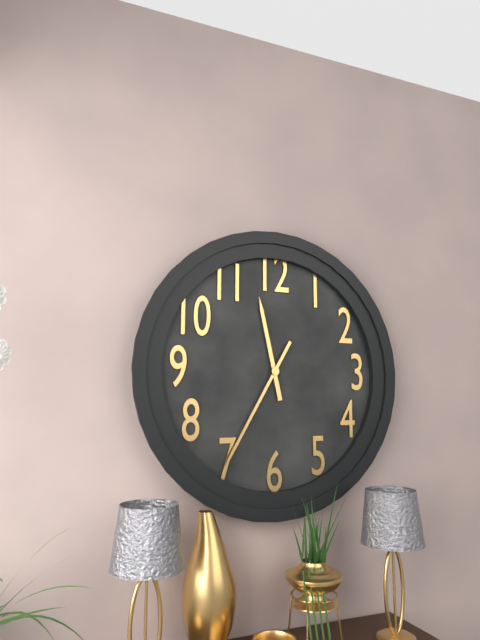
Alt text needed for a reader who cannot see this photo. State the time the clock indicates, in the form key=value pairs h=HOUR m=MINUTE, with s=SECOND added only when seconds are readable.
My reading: h=11 m=35
